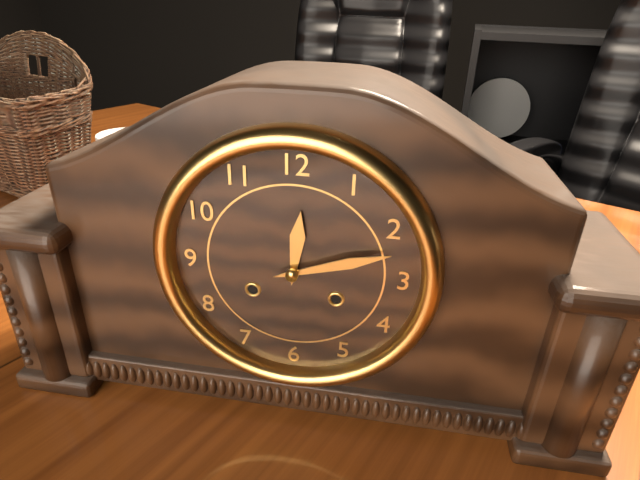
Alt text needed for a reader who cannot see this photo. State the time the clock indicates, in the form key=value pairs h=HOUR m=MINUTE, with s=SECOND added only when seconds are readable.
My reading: h=12 m=12
